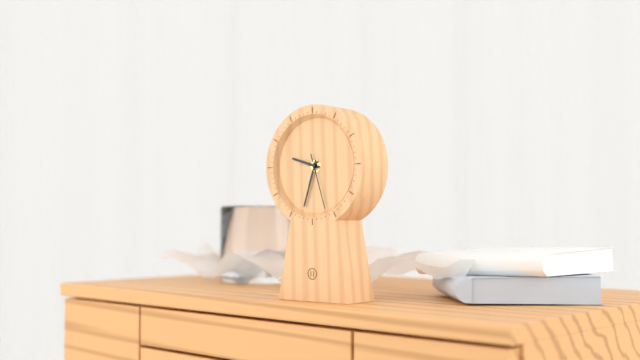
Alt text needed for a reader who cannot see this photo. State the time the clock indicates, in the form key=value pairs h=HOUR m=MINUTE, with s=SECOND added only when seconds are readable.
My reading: h=9 m=33 s=27
